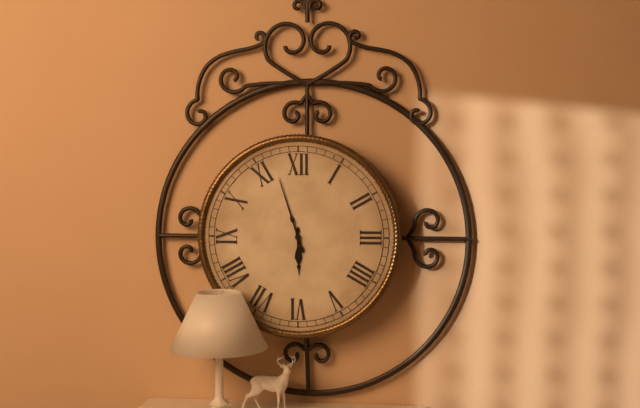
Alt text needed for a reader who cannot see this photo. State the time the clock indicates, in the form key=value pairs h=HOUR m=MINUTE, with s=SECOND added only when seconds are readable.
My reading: h=5 m=57
